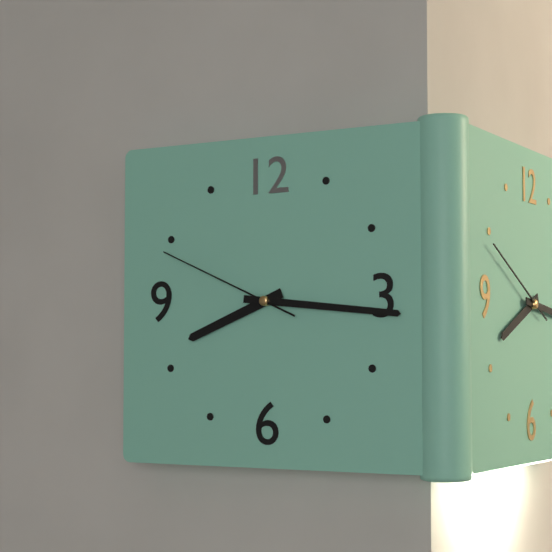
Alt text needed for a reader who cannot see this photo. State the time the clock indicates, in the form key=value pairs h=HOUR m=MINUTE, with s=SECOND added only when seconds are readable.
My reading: h=8 m=16 s=49
